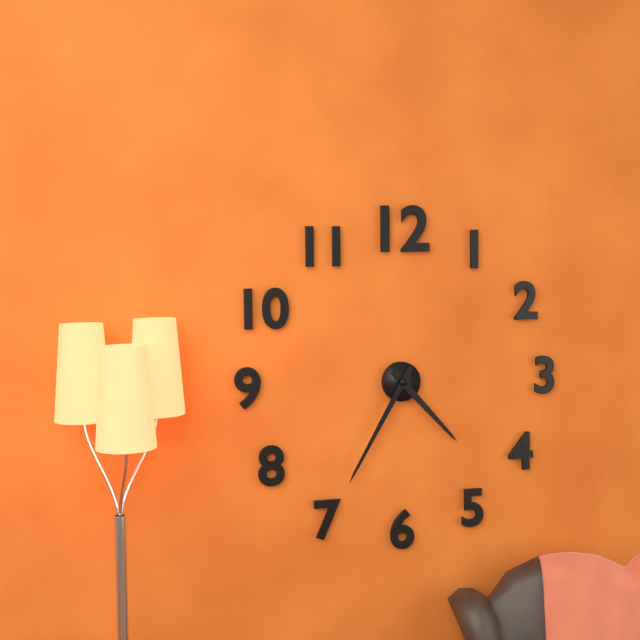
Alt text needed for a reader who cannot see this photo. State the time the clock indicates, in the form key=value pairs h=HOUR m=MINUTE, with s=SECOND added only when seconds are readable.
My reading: h=4 m=35
